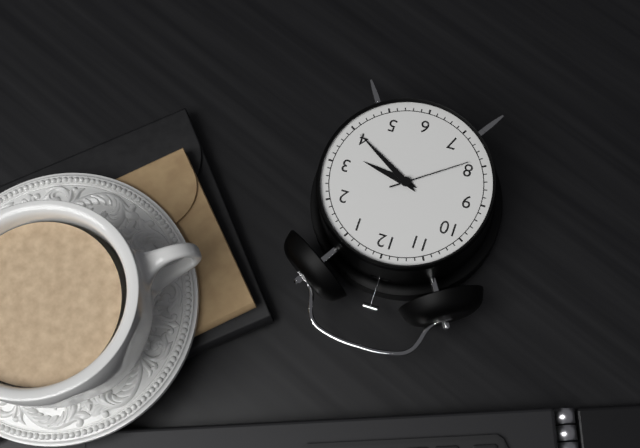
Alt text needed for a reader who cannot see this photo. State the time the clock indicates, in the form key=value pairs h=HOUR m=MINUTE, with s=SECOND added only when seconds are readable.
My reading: h=3 m=20 s=39
